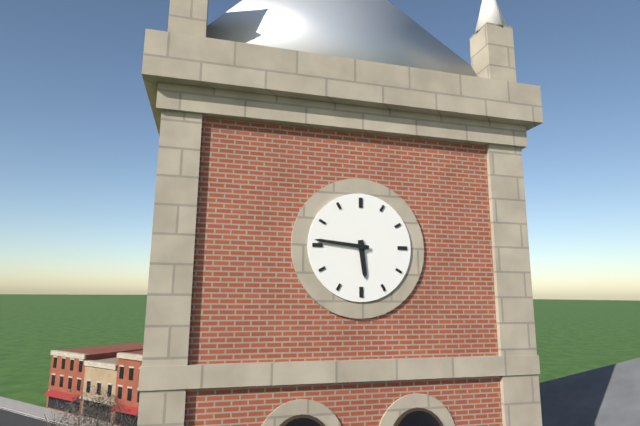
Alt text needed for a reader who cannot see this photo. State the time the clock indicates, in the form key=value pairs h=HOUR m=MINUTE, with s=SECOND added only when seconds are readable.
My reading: h=5 m=46
